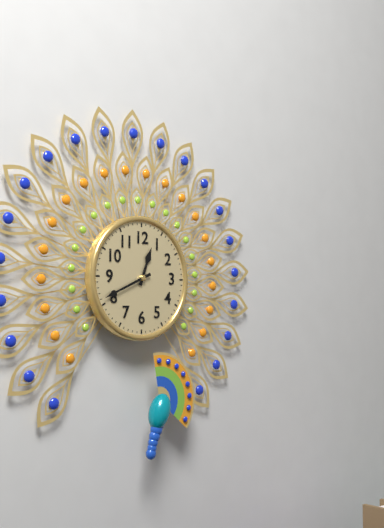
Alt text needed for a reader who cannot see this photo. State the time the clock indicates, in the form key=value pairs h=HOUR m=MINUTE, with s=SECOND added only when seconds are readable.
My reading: h=12 m=41
